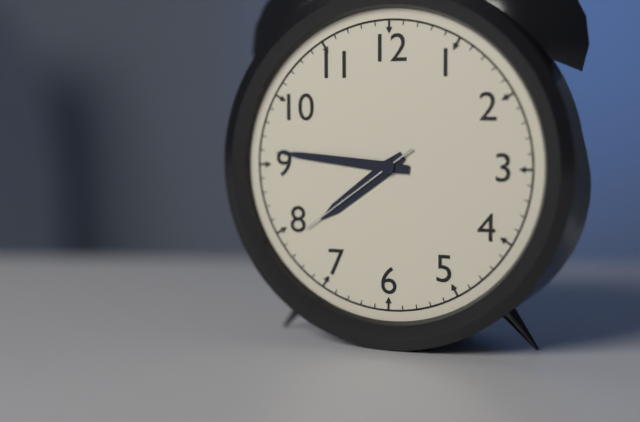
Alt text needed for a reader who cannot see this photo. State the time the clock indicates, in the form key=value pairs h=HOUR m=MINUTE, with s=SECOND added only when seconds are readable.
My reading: h=7 m=46 s=39
